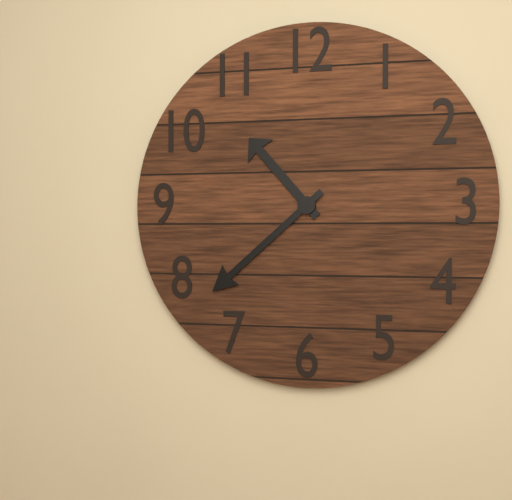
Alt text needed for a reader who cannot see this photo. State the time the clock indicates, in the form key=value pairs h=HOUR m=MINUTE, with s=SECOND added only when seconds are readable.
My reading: h=10 m=38
